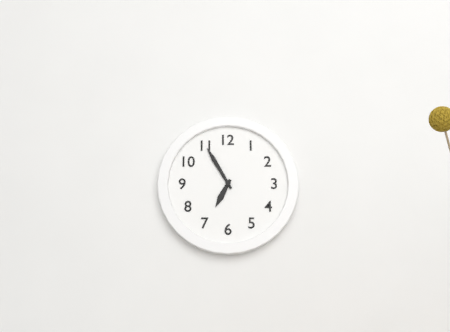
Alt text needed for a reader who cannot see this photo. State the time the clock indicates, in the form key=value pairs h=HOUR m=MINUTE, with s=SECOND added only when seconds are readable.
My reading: h=6 m=55
